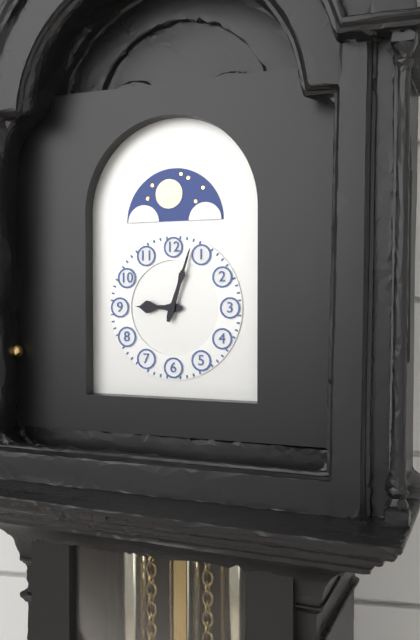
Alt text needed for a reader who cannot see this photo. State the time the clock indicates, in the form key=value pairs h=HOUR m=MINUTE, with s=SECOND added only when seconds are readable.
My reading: h=9 m=3
